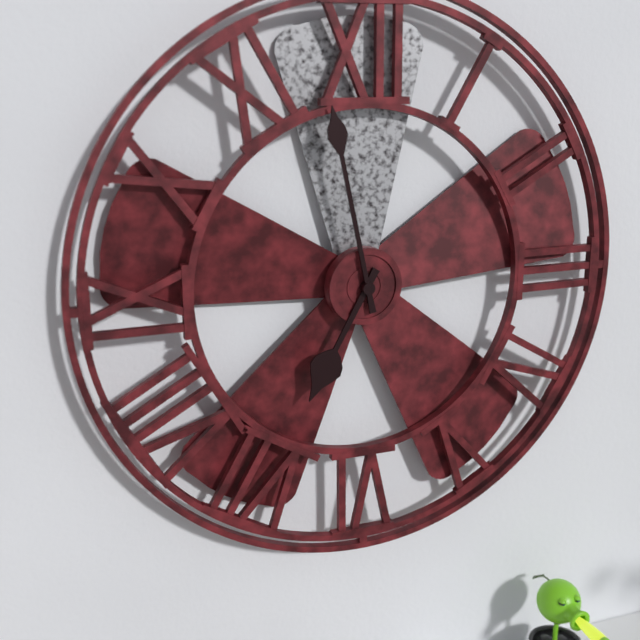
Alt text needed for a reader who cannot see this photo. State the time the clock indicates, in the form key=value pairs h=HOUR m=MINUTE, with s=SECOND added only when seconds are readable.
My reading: h=6 m=58
